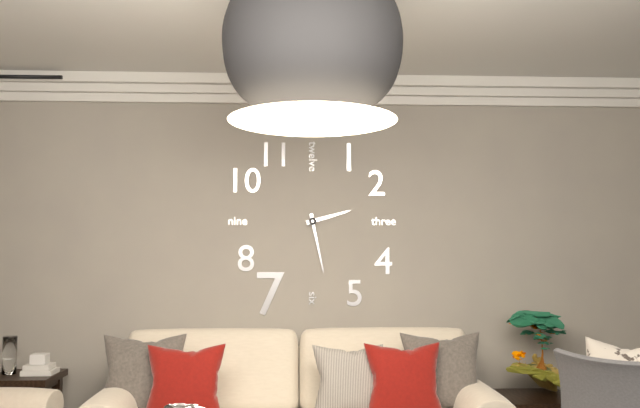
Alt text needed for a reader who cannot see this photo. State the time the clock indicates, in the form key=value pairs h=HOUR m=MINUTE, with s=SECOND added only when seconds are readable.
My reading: h=2 m=28
